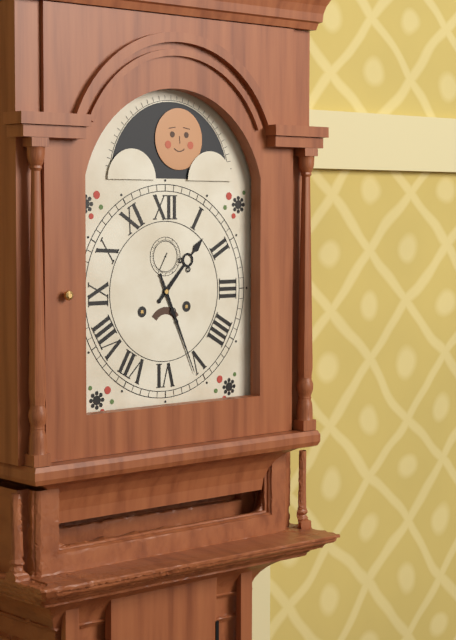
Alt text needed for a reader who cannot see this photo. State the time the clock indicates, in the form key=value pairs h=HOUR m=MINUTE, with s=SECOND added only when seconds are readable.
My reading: h=1 m=26
